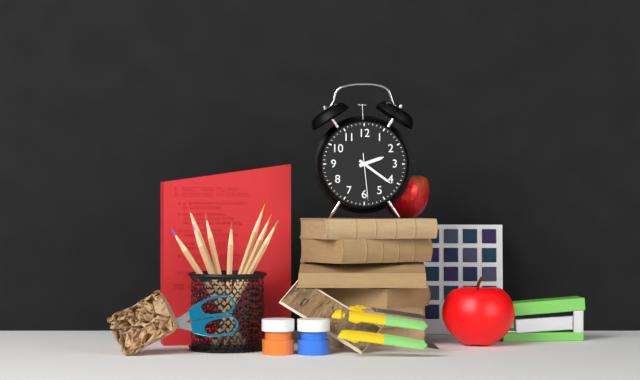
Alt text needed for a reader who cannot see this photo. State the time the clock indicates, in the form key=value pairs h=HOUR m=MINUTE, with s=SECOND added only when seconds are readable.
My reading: h=2 m=21
